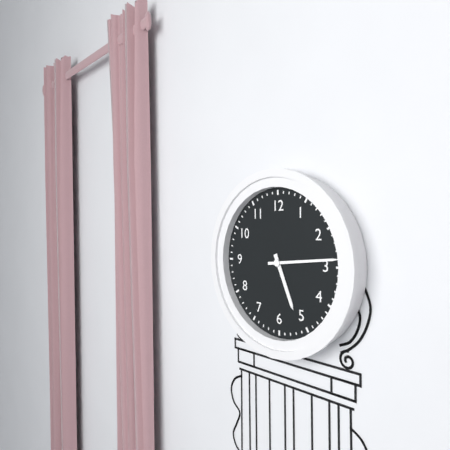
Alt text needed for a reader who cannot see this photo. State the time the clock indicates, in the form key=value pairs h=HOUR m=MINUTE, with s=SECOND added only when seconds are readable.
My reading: h=5 m=14
